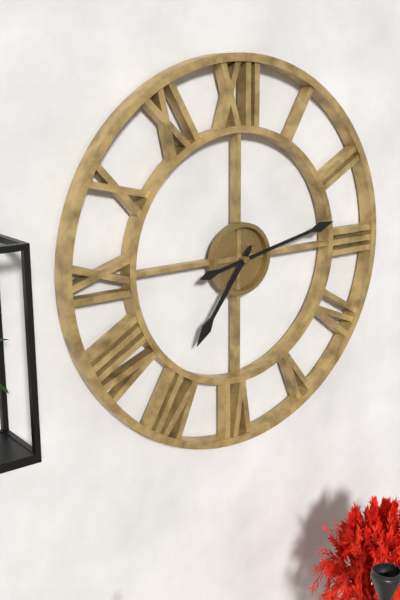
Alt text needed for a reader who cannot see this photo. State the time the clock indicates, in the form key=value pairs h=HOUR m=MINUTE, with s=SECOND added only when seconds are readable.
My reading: h=7 m=13
